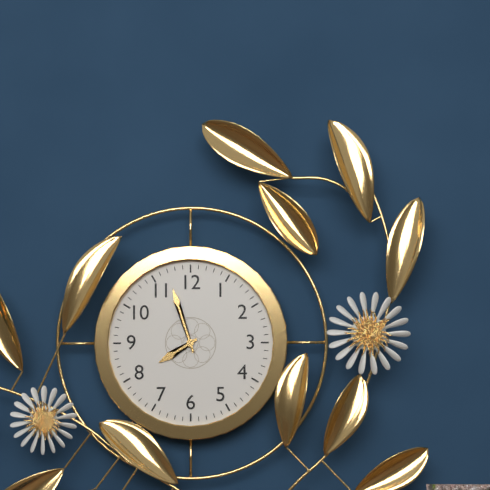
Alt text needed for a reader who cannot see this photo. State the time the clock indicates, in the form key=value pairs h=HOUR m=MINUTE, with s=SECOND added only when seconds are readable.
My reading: h=7 m=57
